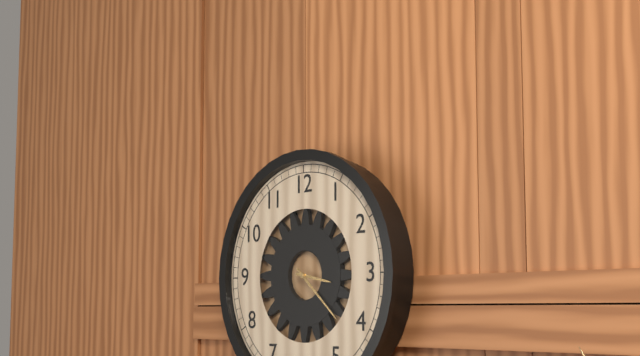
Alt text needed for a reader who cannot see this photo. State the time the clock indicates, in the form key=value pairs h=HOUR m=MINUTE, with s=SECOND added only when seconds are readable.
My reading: h=3 m=22
